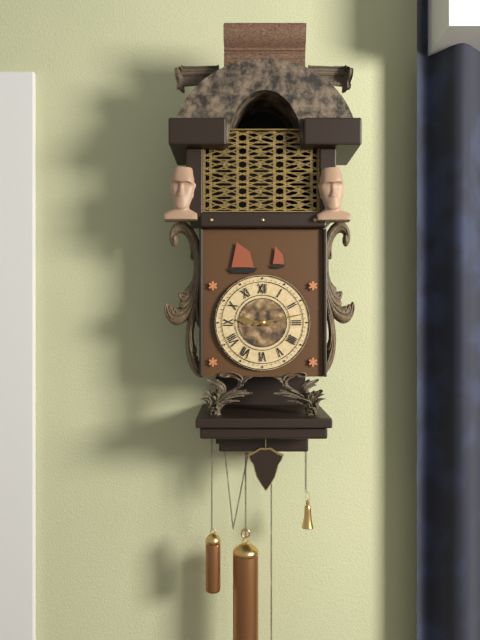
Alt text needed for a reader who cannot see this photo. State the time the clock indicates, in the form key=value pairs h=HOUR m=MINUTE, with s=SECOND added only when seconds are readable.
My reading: h=9 m=13
